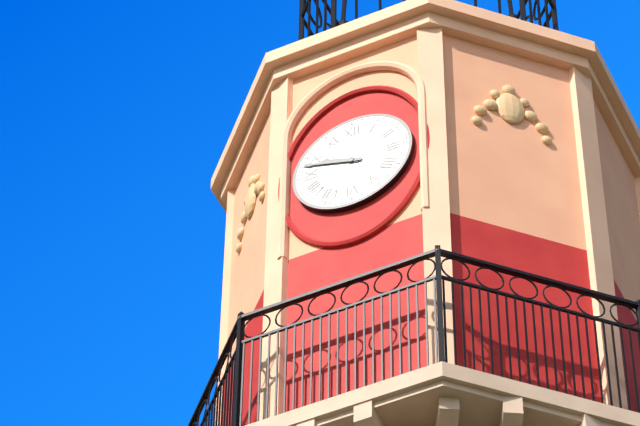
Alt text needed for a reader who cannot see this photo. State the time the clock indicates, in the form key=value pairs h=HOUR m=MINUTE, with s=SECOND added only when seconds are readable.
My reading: h=9 m=48
